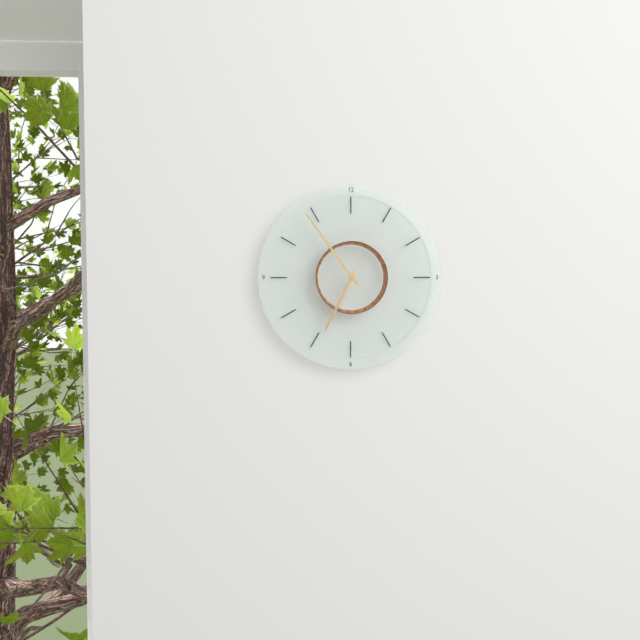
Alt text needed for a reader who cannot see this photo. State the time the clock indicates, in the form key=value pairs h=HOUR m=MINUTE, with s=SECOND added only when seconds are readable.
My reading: h=6 m=54
